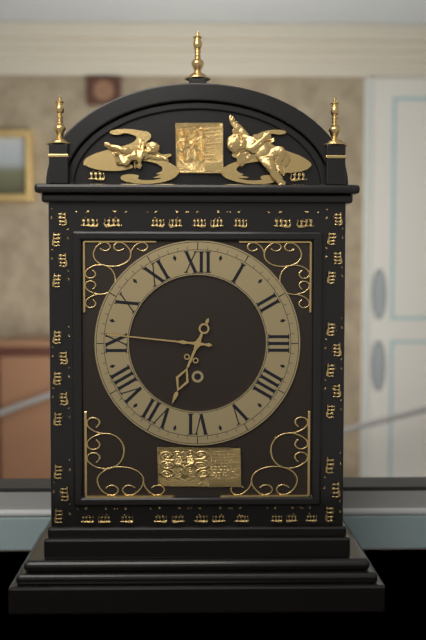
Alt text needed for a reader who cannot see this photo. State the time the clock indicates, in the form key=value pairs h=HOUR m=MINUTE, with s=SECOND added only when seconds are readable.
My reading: h=6 m=46
